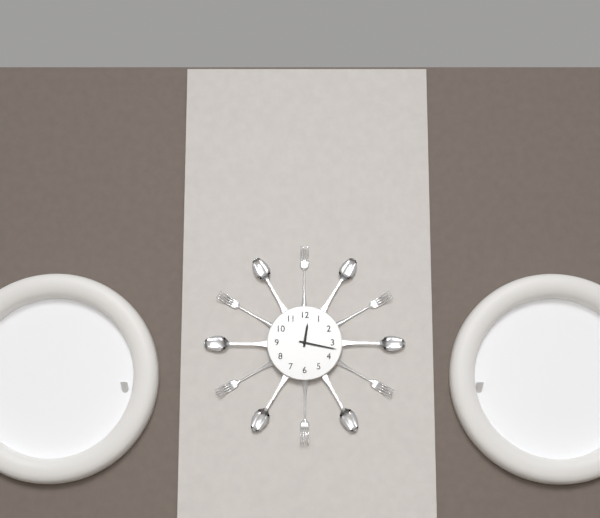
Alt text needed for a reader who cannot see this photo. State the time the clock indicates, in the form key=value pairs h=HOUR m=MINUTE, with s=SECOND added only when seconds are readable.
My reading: h=12 m=17
